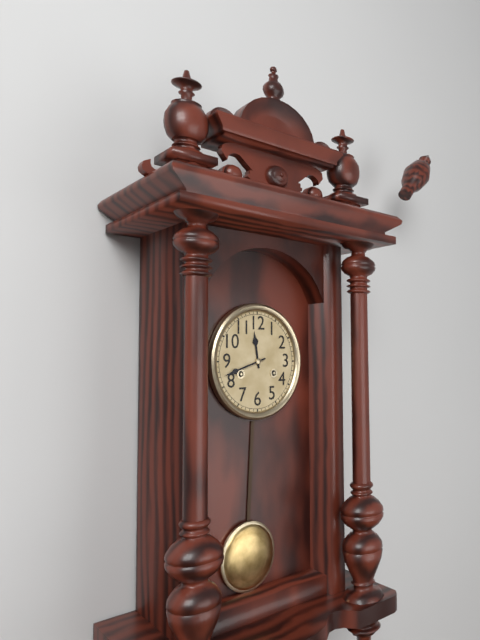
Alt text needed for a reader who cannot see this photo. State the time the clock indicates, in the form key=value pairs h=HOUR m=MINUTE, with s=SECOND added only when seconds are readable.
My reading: h=11 m=42
